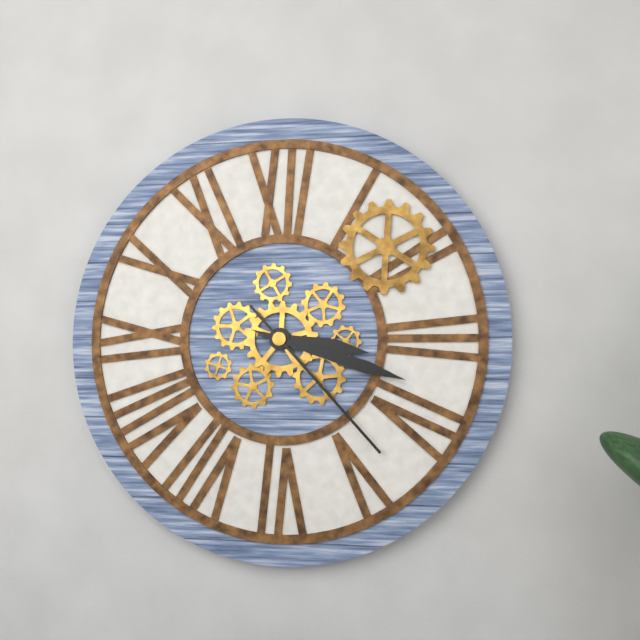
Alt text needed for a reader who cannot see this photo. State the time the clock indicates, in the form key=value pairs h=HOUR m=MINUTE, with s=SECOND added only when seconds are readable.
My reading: h=3 m=18 s=23
